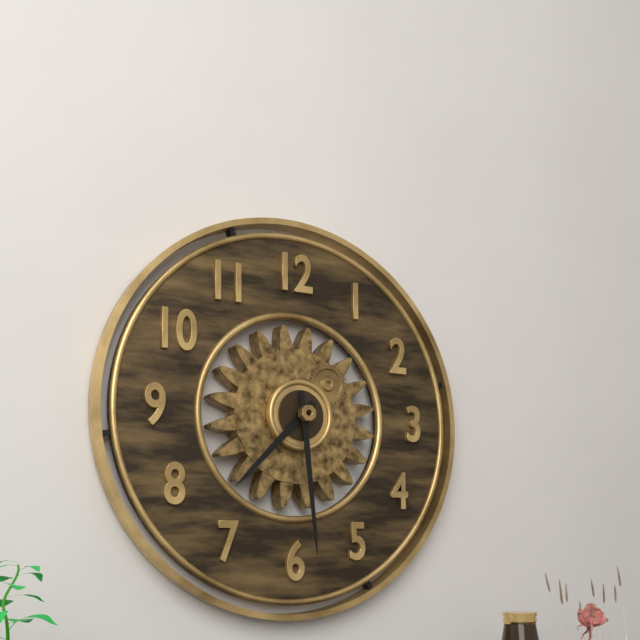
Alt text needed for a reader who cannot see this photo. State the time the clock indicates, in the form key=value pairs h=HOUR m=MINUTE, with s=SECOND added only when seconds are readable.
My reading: h=7 m=29
